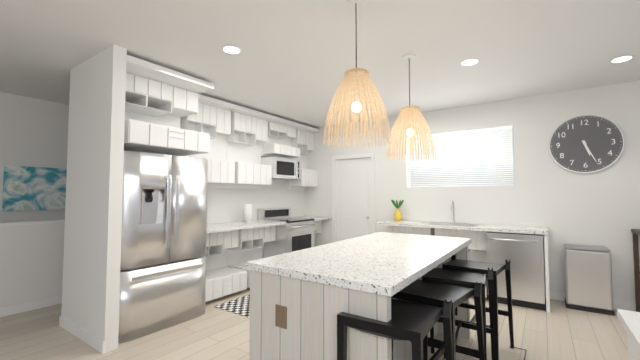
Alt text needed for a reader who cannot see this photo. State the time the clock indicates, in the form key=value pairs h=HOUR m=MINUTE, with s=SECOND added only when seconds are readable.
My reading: h=5 m=26
